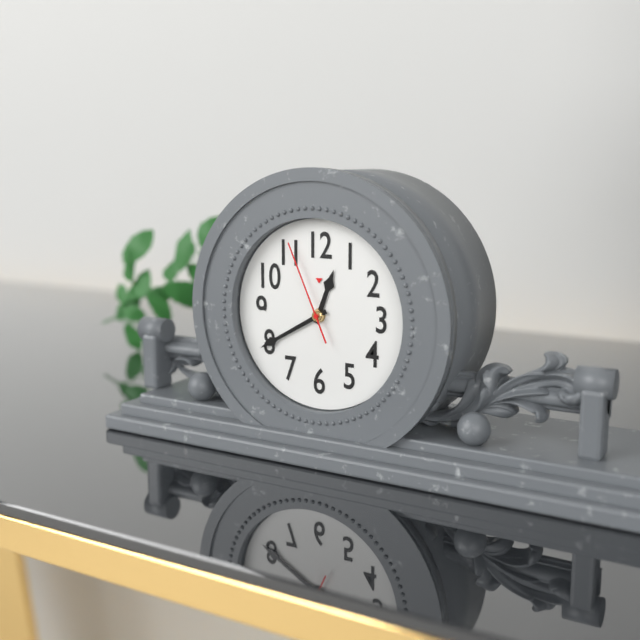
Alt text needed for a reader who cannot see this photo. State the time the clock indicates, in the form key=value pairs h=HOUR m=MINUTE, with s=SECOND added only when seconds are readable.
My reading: h=12 m=40 s=56
